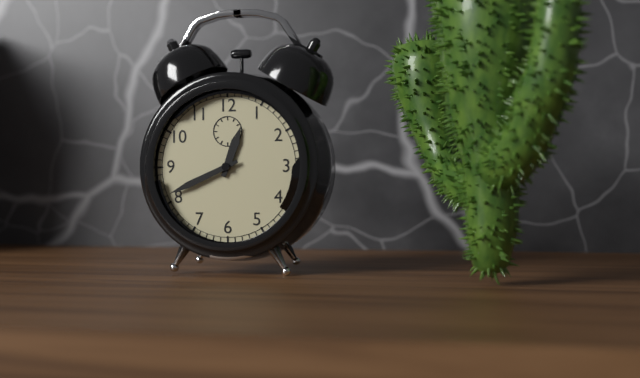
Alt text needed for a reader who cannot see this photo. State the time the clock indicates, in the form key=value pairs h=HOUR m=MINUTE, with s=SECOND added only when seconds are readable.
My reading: h=12 m=41
